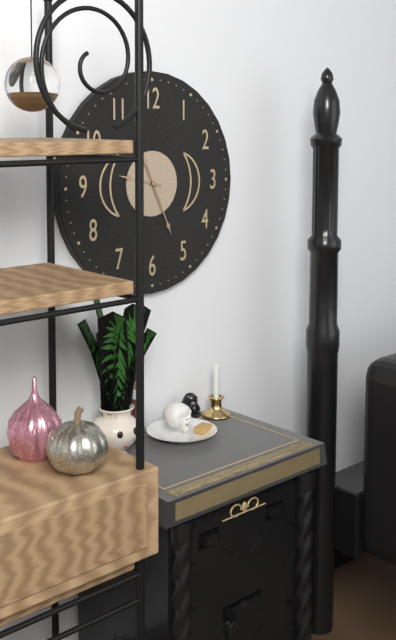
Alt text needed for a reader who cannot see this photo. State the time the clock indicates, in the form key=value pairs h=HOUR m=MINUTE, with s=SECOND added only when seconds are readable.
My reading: h=9 m=26
